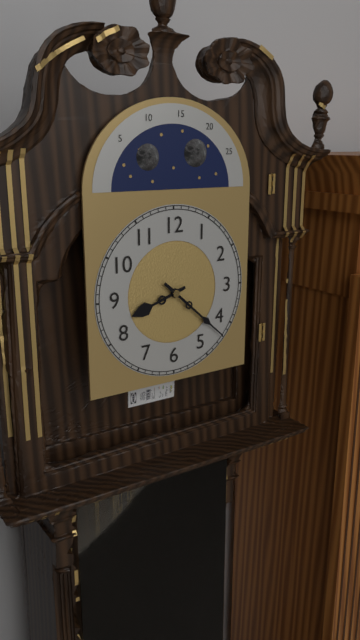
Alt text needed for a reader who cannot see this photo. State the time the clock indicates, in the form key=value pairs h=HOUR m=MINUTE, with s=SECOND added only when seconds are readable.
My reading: h=8 m=22
